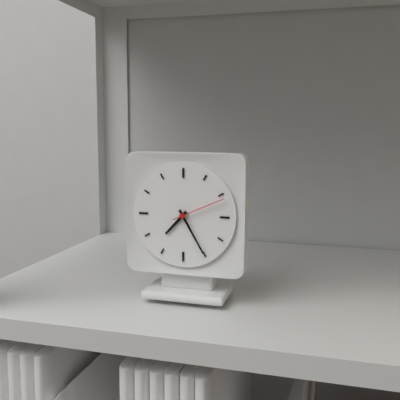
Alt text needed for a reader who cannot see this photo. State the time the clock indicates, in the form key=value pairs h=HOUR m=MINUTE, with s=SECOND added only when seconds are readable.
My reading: h=7 m=25 s=11
